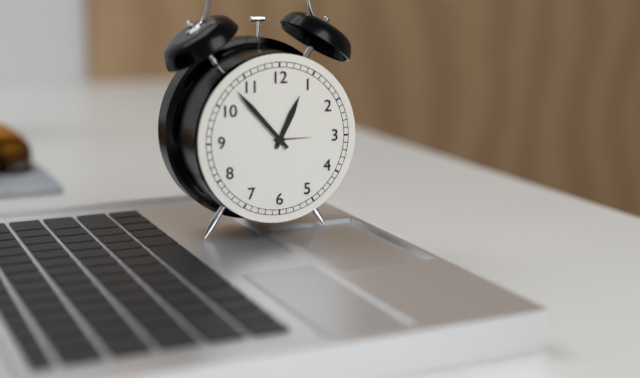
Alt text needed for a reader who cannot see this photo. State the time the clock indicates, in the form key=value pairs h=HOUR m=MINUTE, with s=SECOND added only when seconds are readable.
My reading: h=12 m=53
